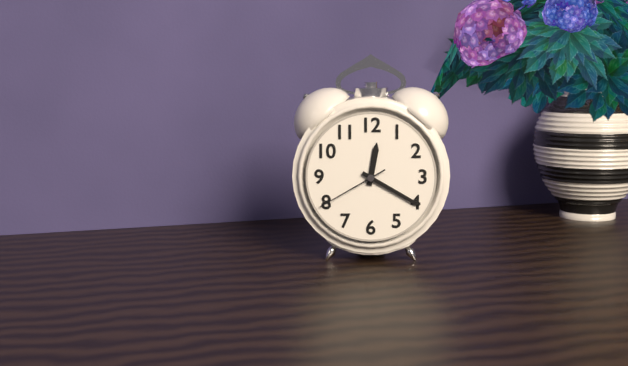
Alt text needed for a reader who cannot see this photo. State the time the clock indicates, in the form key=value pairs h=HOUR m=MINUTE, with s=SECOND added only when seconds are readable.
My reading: h=12 m=20 s=40
